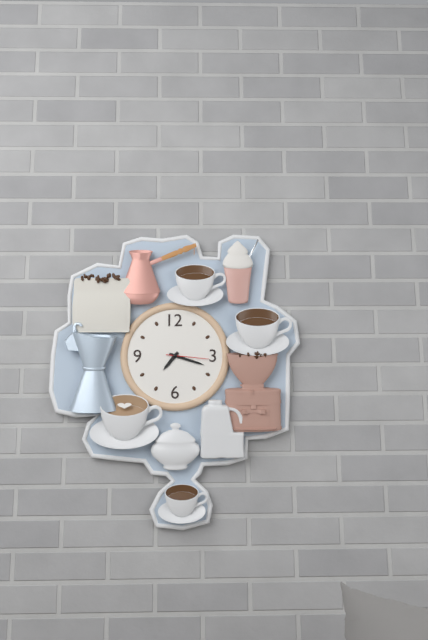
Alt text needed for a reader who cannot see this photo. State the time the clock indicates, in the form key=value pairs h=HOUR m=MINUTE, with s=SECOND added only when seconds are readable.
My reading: h=7 m=18
